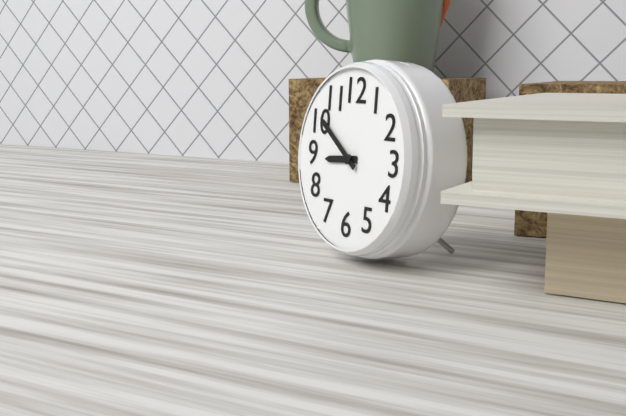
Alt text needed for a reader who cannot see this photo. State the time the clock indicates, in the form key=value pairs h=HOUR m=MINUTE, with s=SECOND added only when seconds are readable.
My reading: h=8 m=51
